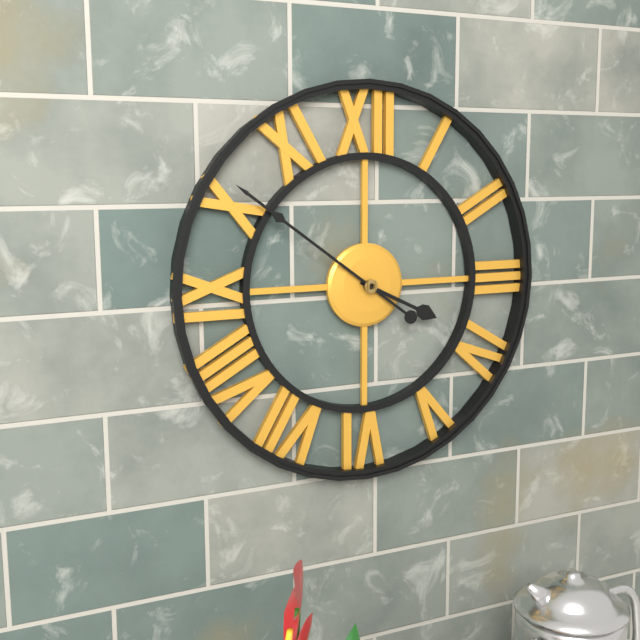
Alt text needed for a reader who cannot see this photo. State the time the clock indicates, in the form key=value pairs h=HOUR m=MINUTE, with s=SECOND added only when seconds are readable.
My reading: h=3 m=51
